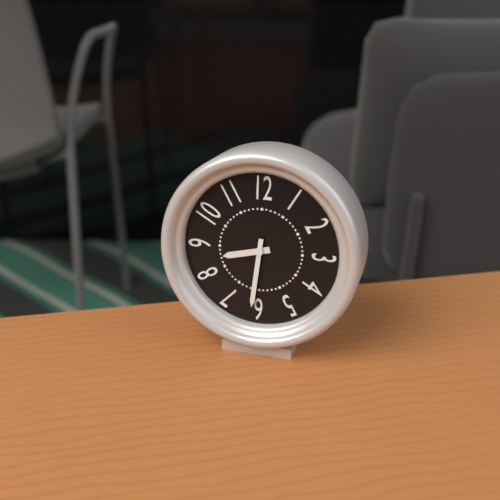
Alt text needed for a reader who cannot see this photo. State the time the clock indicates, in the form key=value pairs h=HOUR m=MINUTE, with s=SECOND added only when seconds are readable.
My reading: h=8 m=31
